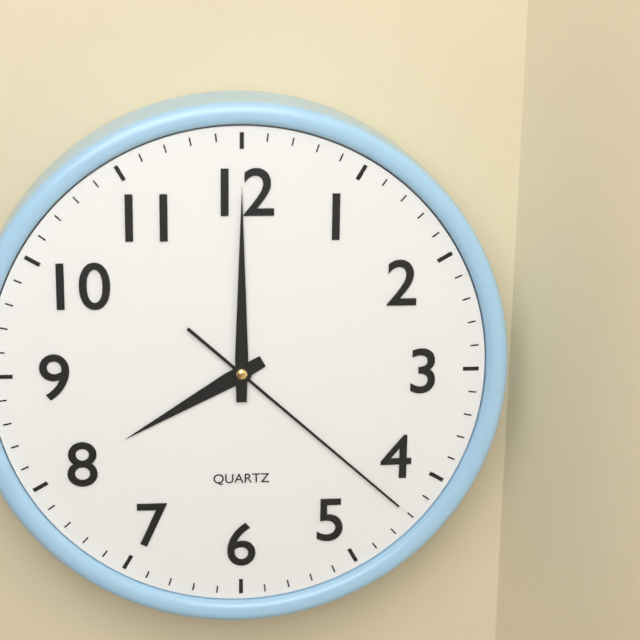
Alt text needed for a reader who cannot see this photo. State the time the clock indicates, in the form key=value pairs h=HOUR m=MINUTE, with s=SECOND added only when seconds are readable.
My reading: h=8 m=0 s=22
